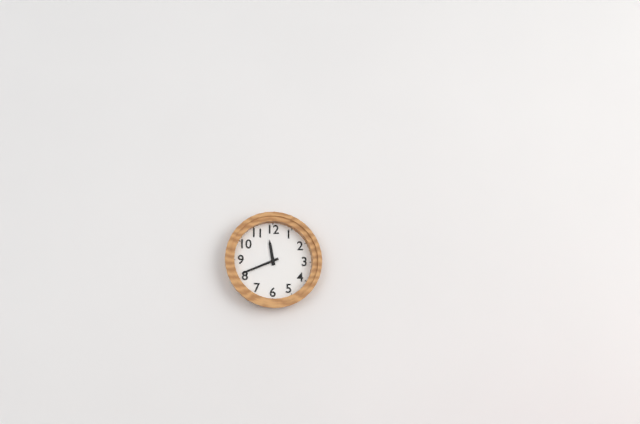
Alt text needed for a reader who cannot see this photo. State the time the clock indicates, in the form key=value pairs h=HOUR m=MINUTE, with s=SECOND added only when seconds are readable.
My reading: h=11 m=41
